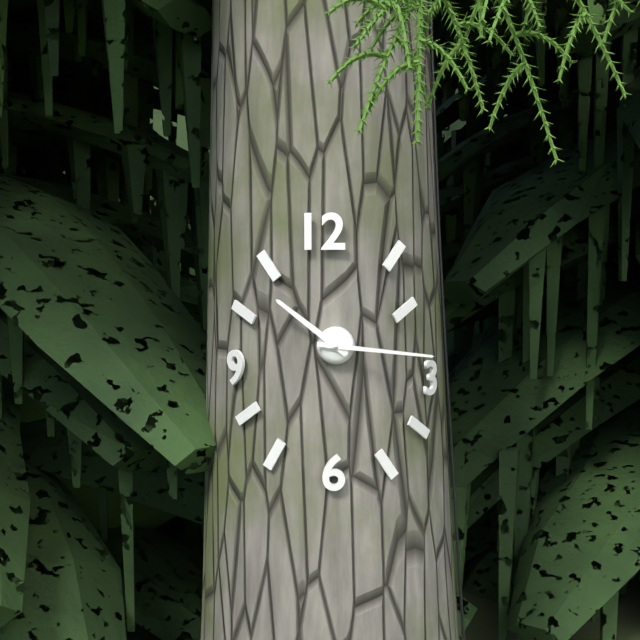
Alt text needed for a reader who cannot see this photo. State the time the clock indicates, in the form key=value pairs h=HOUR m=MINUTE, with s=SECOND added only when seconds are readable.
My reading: h=10 m=16
